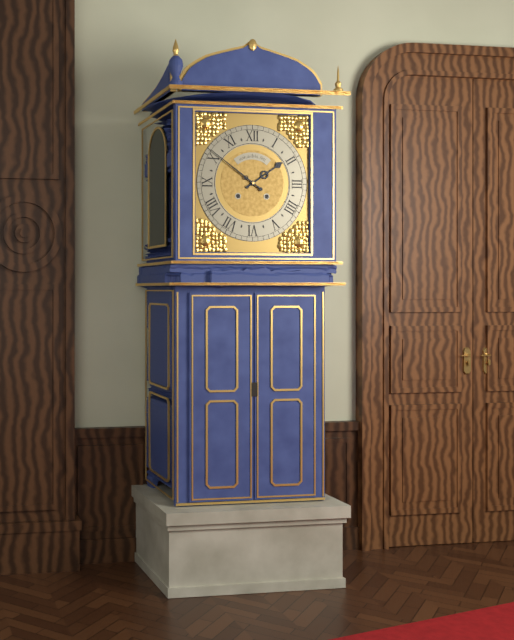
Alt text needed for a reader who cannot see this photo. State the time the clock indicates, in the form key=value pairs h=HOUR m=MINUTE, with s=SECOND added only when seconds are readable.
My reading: h=1 m=51
